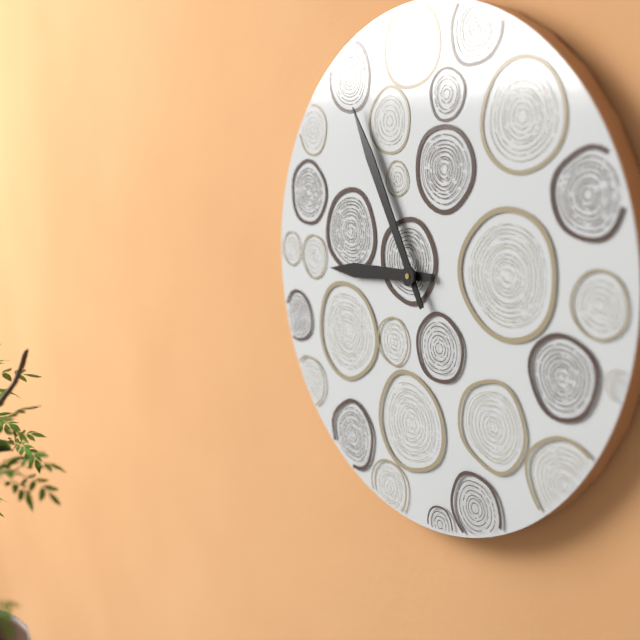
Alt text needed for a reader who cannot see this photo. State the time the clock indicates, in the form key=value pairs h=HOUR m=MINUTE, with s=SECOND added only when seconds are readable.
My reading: h=8 m=55
